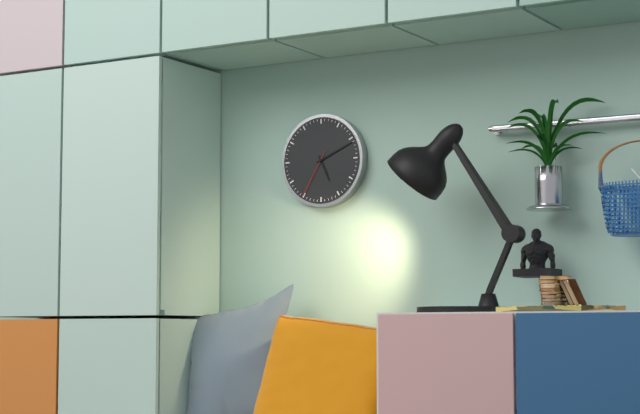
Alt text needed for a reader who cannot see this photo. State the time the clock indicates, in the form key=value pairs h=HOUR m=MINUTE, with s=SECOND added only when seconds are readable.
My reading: h=5 m=11 s=35
